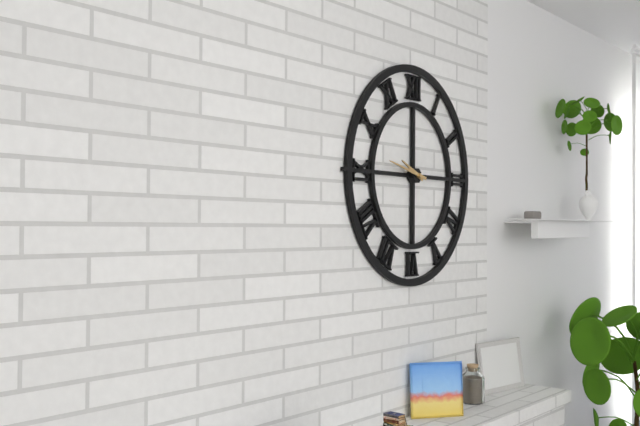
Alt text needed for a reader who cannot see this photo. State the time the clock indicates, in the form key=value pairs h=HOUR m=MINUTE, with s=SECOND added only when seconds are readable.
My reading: h=9 m=47
